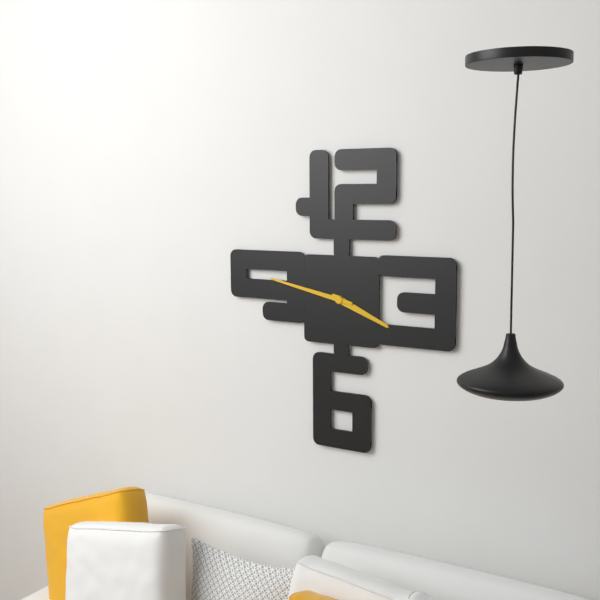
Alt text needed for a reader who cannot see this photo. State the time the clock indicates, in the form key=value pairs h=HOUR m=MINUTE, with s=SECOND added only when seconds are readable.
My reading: h=3 m=47
